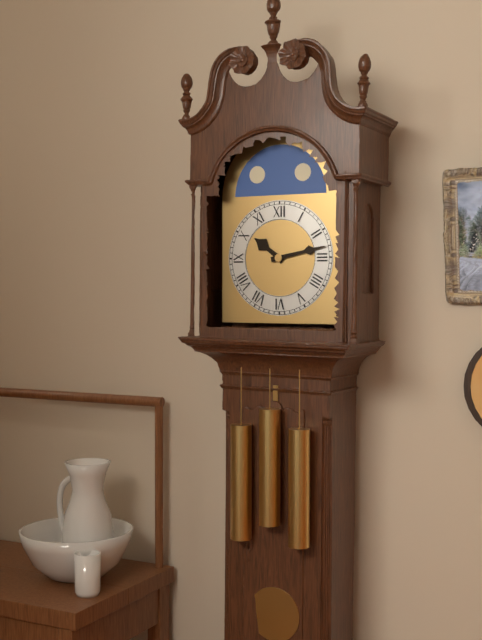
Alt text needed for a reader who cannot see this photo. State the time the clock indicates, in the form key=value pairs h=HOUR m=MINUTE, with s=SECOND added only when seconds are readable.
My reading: h=10 m=13
